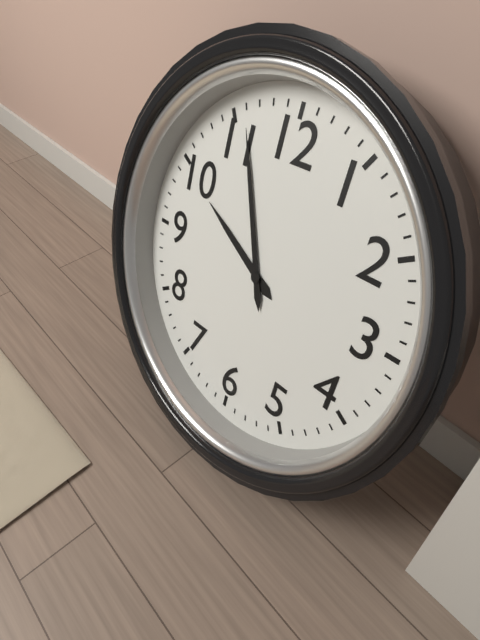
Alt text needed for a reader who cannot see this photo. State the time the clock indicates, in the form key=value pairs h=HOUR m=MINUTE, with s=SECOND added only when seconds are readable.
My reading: h=9 m=56
